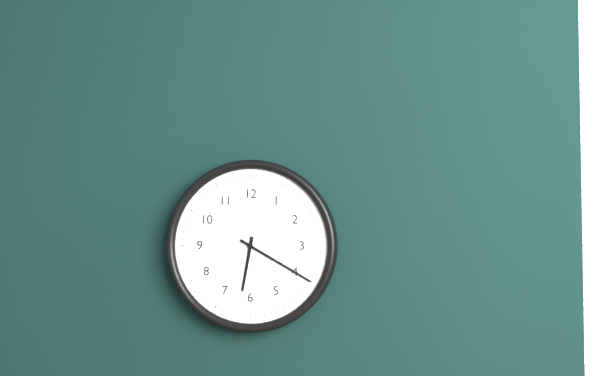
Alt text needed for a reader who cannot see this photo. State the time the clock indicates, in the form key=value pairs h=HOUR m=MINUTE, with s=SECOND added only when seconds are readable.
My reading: h=6 m=20
